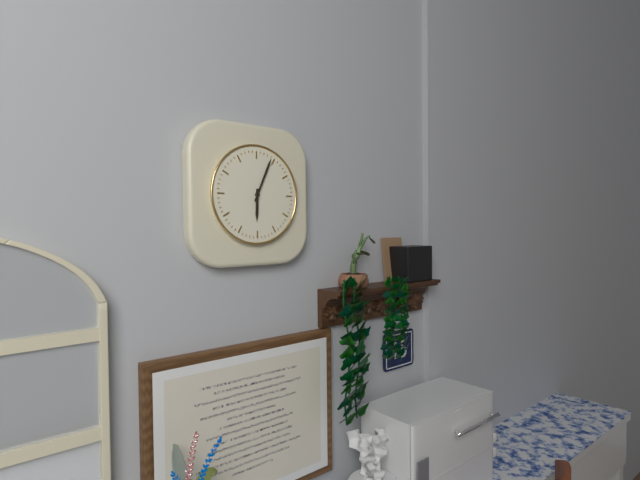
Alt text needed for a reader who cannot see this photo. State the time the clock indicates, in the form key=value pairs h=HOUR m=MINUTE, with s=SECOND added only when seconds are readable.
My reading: h=6 m=4
